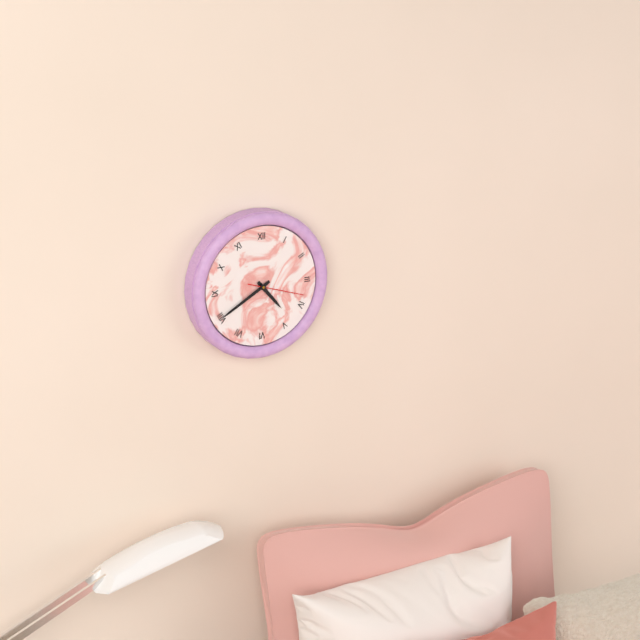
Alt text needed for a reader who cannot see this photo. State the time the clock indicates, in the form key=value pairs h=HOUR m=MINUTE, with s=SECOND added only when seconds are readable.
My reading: h=4 m=40 s=18
